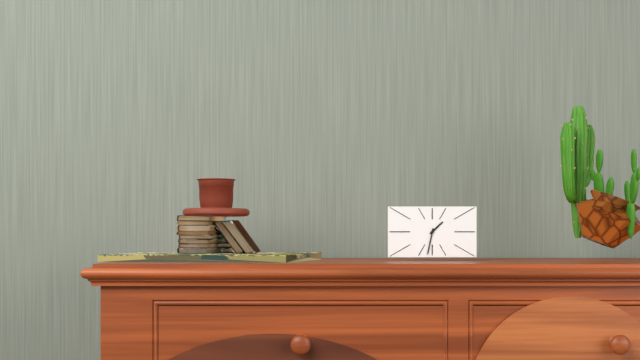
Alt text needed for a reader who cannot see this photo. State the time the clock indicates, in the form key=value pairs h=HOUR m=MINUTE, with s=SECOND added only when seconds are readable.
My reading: h=1 m=32
